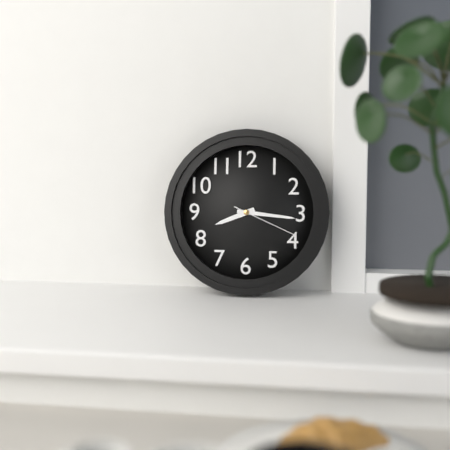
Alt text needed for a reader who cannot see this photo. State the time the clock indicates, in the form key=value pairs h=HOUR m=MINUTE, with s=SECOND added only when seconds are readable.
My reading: h=8 m=16 s=19
